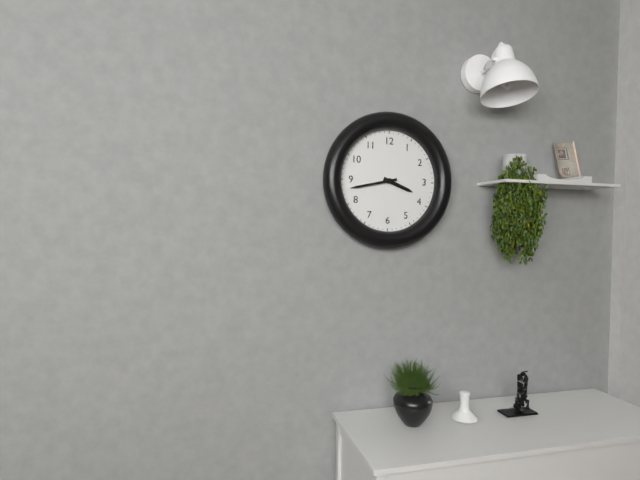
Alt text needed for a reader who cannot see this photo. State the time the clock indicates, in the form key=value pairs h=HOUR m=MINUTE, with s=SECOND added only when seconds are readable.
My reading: h=3 m=43
